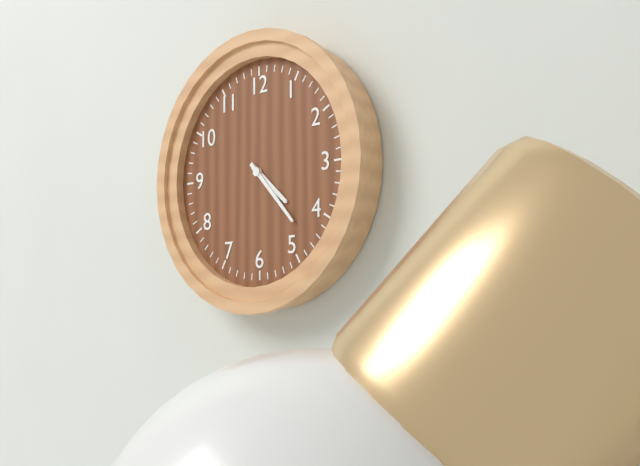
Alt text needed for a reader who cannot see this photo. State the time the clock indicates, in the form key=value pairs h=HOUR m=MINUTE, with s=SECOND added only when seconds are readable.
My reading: h=4 m=23
